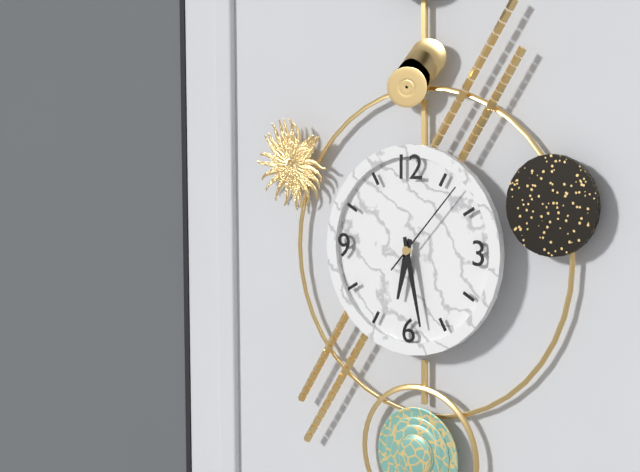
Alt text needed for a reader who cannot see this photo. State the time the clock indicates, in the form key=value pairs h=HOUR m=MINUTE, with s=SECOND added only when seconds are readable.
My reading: h=6 m=28 s=7
